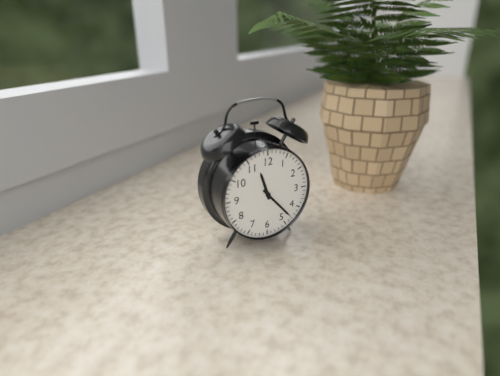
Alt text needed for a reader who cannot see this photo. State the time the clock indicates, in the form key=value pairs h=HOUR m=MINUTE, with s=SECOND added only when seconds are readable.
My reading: h=11 m=23
